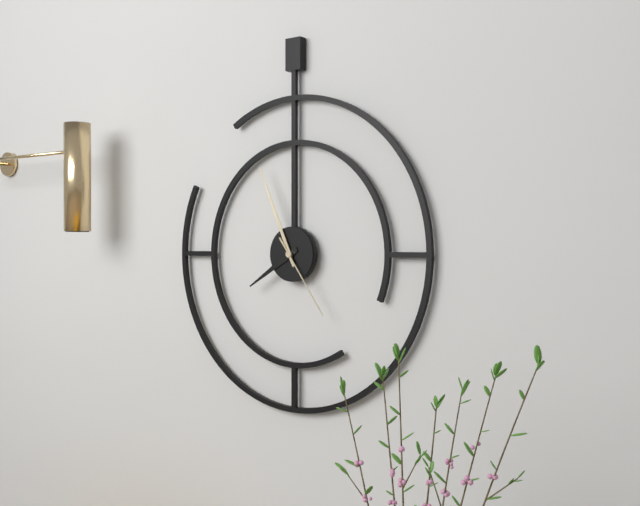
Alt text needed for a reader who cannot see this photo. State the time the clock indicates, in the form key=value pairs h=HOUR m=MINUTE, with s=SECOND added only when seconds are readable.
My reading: h=7 m=56 s=24
